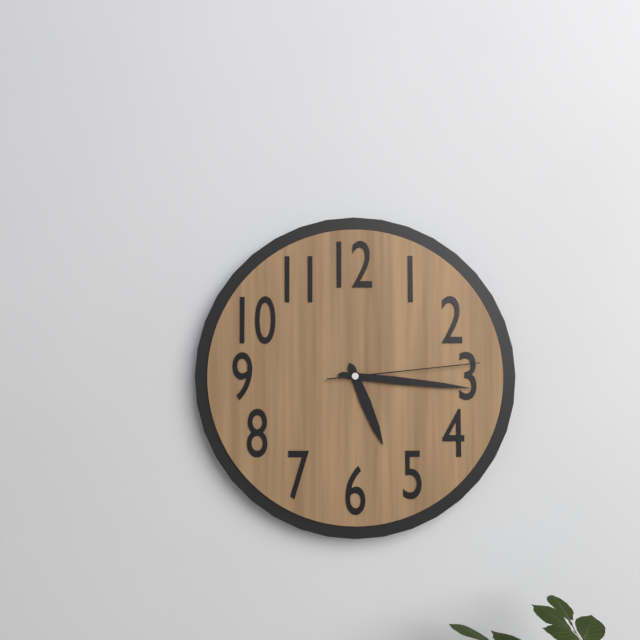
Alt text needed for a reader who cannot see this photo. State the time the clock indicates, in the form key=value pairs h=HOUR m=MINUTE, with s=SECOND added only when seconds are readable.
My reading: h=5 m=16 s=14
